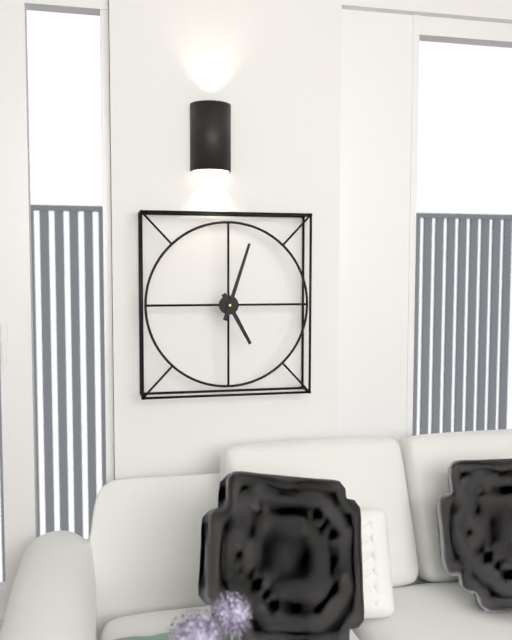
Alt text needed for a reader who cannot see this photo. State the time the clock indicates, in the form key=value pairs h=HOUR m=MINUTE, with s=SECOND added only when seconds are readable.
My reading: h=5 m=3
